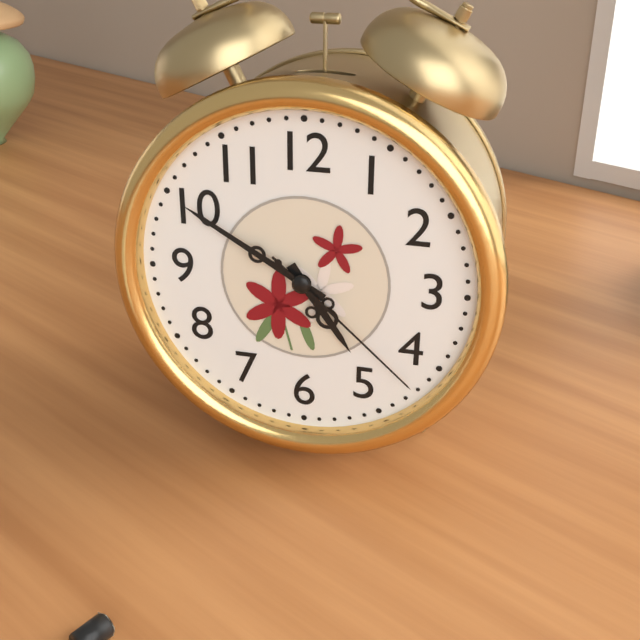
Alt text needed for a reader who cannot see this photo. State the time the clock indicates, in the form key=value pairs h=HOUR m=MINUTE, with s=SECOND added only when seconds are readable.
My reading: h=4 m=50 s=22
